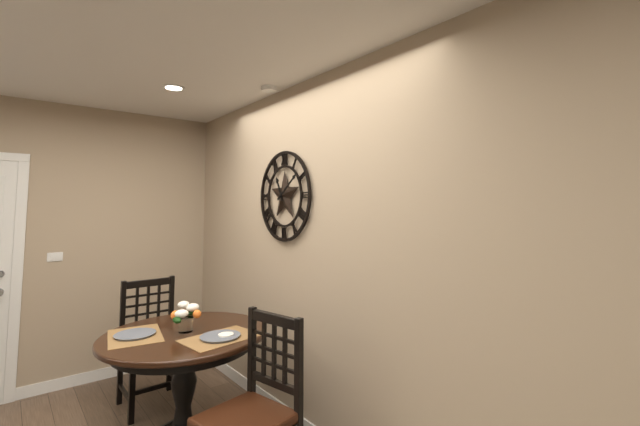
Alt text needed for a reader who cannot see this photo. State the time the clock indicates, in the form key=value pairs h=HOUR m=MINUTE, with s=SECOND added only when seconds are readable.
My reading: h=11 m=9
